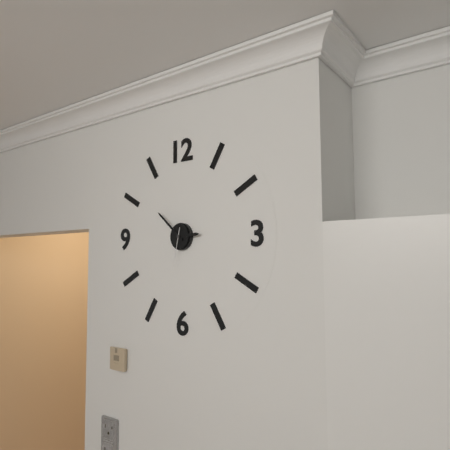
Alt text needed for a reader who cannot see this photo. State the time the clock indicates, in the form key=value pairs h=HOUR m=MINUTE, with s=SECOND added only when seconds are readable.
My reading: h=2 m=52
